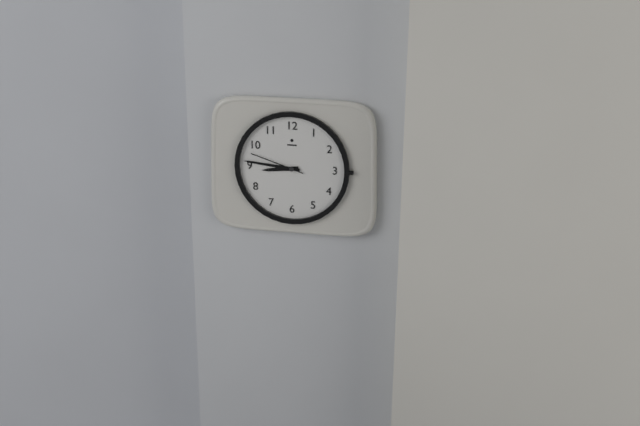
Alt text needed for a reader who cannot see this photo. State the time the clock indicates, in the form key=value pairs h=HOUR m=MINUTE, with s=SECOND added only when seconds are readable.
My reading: h=8 m=46 s=48
